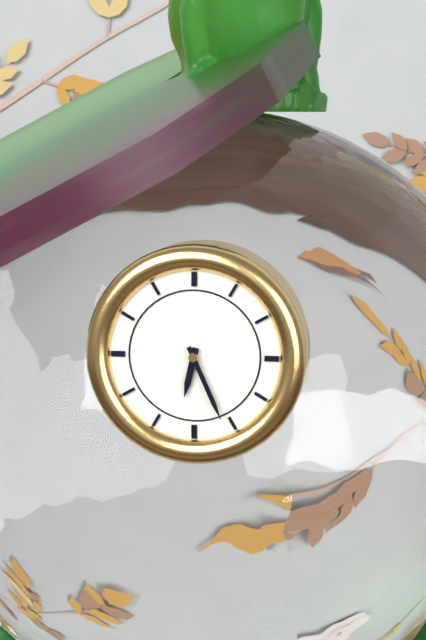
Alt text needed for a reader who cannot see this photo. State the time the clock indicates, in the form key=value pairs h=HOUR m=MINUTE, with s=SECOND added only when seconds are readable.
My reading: h=6 m=26
